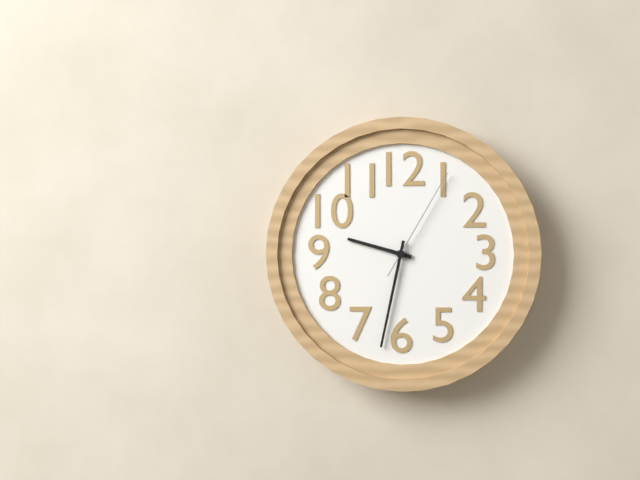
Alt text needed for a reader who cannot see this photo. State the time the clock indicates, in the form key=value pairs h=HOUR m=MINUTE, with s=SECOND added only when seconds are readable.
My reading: h=9 m=32 s=5
